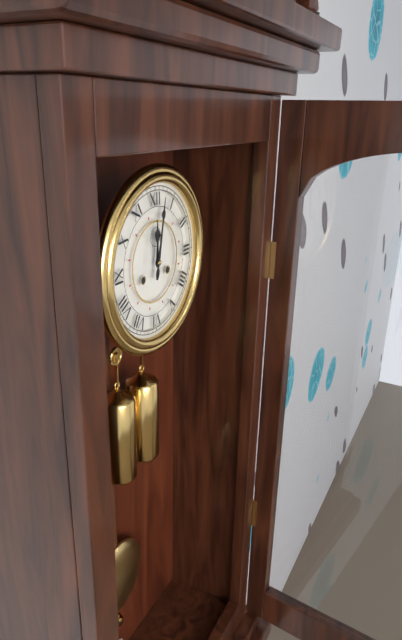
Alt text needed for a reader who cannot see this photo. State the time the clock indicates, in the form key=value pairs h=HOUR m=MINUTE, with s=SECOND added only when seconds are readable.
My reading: h=12 m=2
